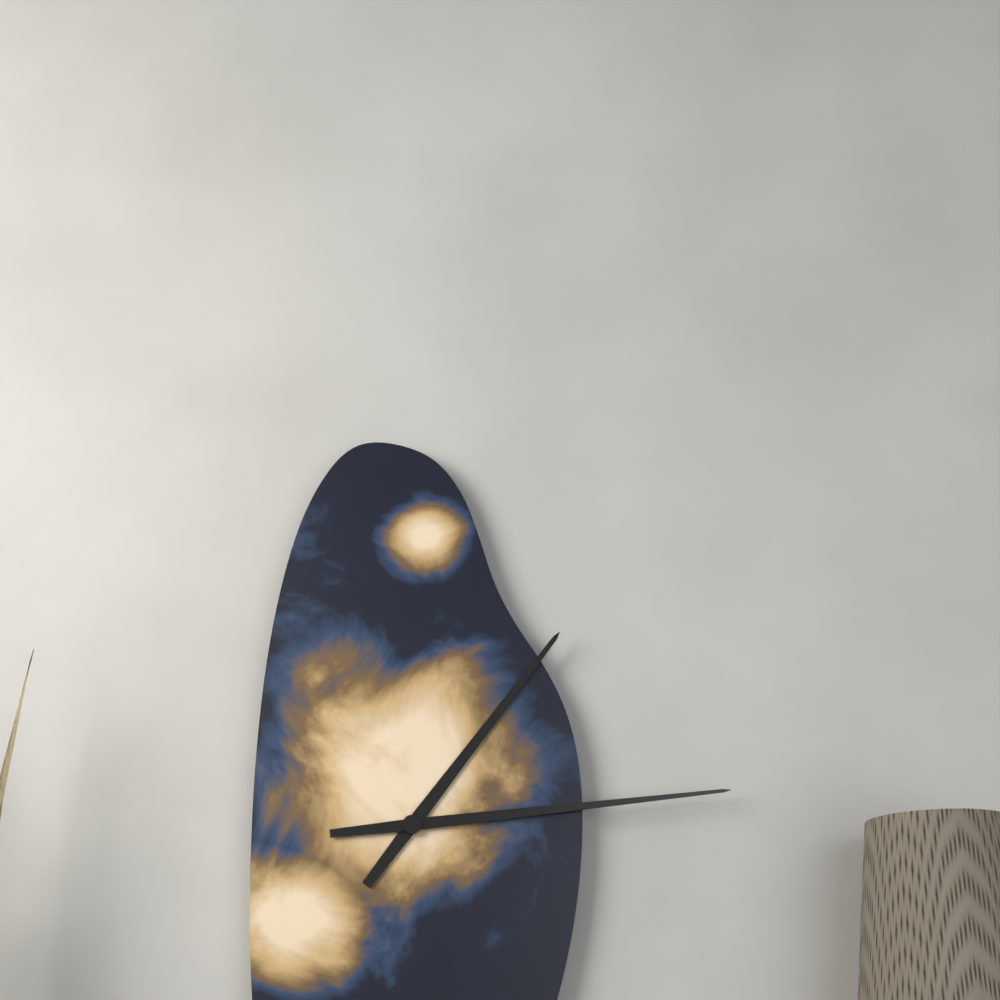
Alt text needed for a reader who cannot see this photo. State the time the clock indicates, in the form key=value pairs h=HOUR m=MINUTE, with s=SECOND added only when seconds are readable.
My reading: h=1 m=14
